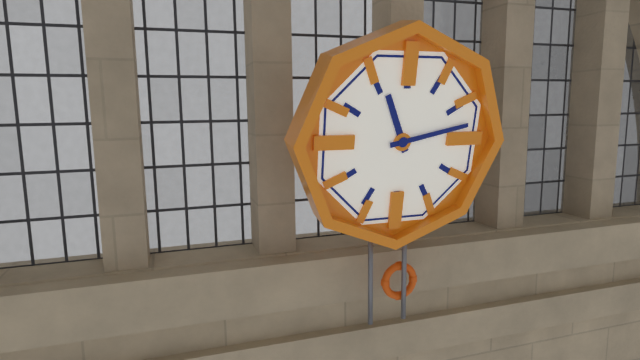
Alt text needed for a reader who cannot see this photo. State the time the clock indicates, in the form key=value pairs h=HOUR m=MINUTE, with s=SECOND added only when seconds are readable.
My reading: h=11 m=13
